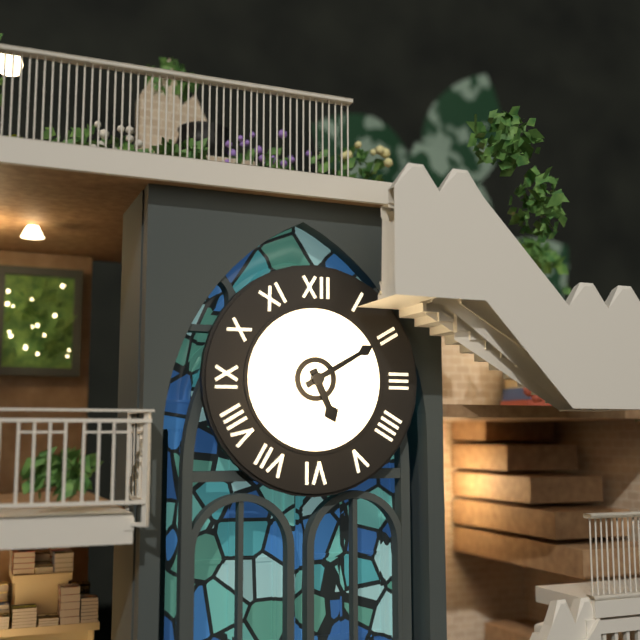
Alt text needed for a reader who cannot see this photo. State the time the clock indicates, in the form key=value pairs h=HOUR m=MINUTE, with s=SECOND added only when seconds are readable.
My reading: h=5 m=10
